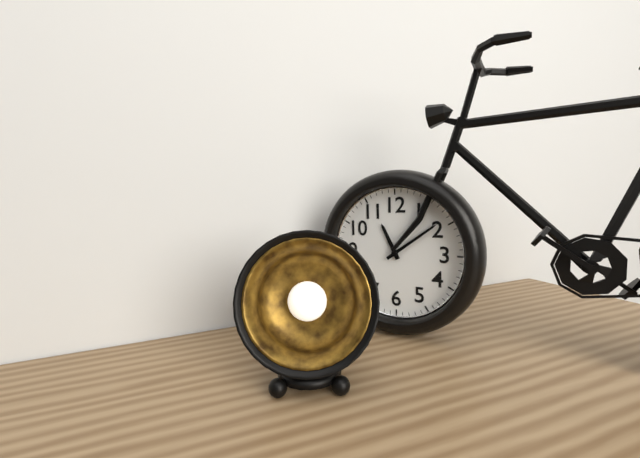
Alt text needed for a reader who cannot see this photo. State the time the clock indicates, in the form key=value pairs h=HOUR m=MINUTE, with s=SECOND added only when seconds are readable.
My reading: h=11 m=9
